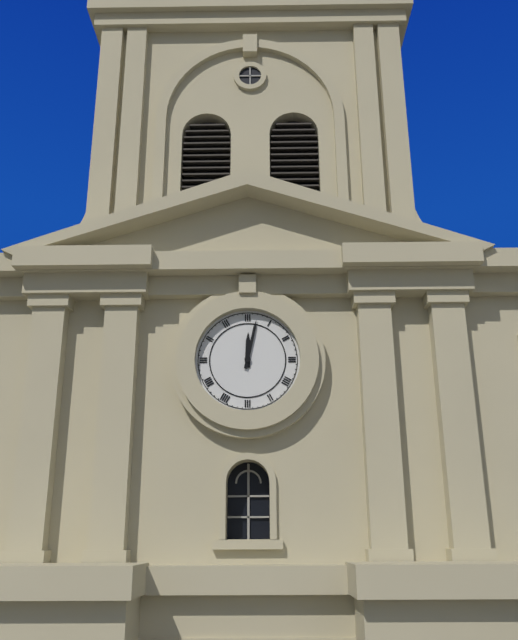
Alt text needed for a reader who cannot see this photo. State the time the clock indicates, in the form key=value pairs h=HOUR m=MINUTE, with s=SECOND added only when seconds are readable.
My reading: h=12 m=2
